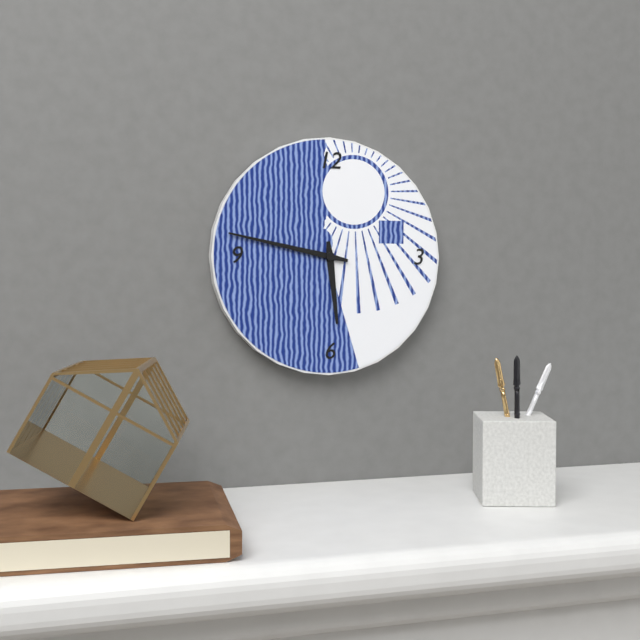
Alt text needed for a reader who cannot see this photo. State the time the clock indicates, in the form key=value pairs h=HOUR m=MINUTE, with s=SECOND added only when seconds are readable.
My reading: h=5 m=47
